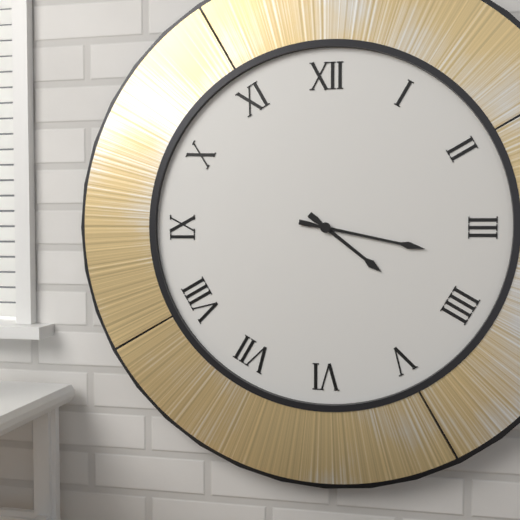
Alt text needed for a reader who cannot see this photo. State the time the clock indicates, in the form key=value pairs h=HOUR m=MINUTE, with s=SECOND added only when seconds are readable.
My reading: h=4 m=17
